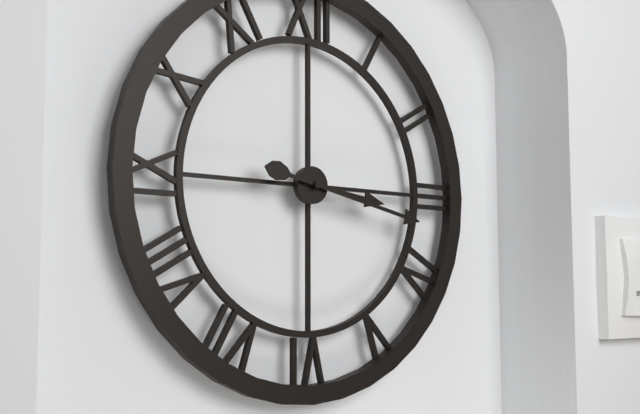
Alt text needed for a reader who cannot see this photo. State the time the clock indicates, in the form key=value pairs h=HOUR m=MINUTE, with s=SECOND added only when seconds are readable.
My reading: h=3 m=17
